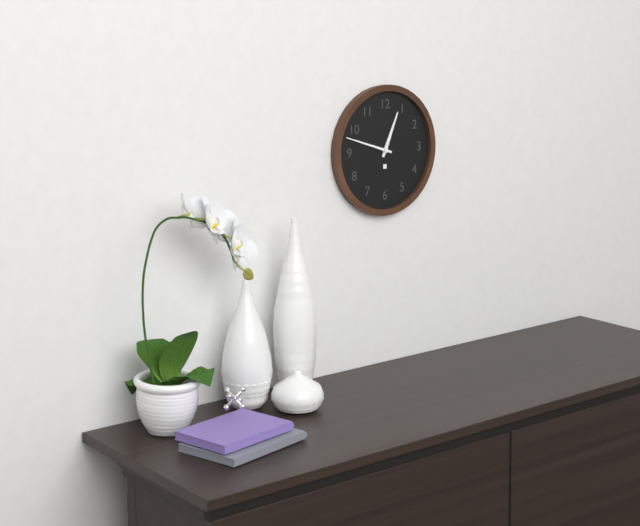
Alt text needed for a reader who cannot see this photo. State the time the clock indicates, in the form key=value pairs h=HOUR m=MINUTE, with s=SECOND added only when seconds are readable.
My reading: h=12 m=48
